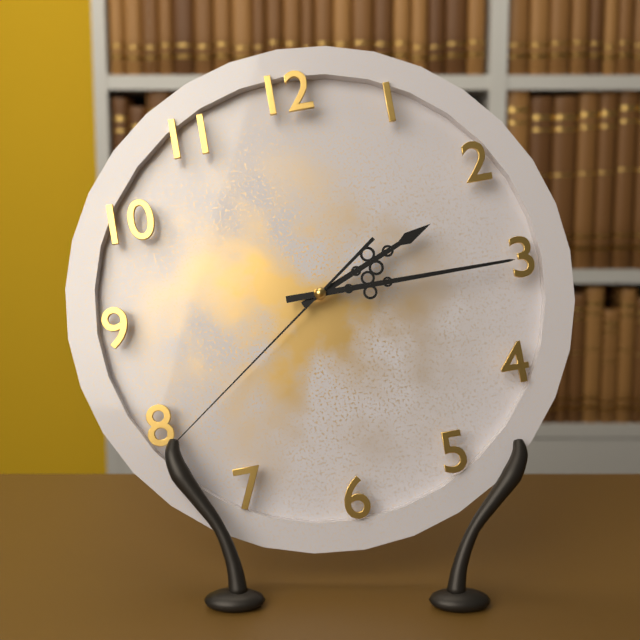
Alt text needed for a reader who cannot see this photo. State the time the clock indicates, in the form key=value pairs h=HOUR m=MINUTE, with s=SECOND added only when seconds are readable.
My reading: h=2 m=15 s=39
